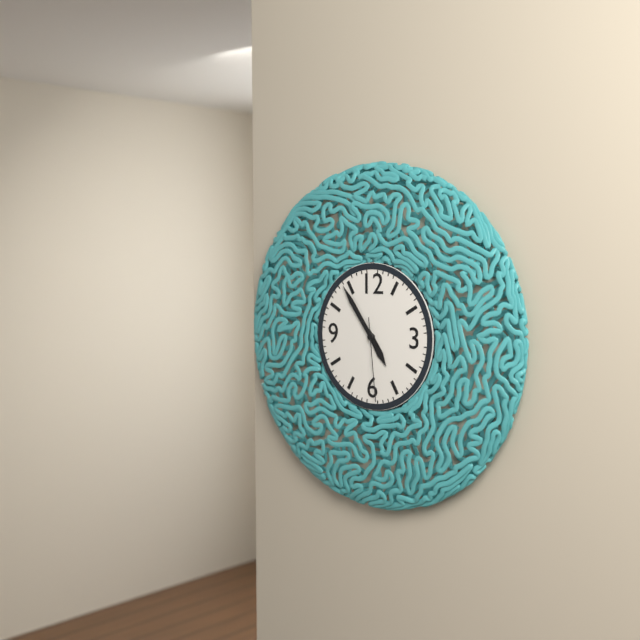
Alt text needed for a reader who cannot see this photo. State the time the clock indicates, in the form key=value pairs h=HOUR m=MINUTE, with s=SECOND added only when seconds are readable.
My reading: h=4 m=54 s=29
